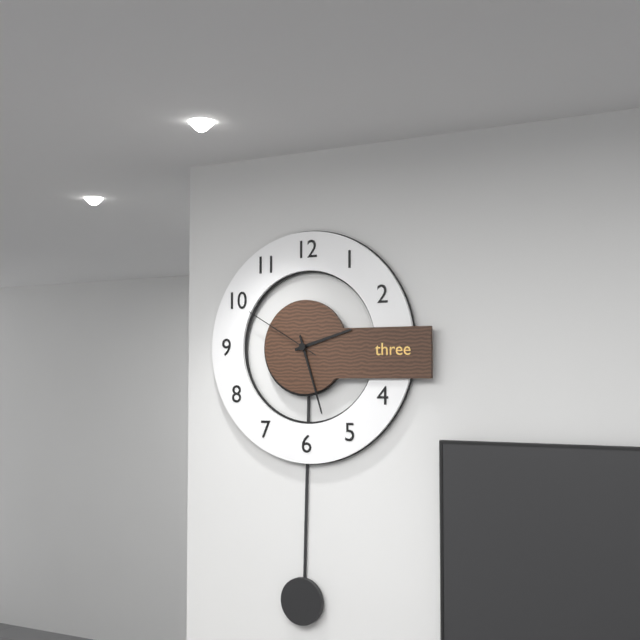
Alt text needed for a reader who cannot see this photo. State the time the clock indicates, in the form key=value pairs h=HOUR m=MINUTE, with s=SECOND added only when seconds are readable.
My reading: h=2 m=27 s=50
